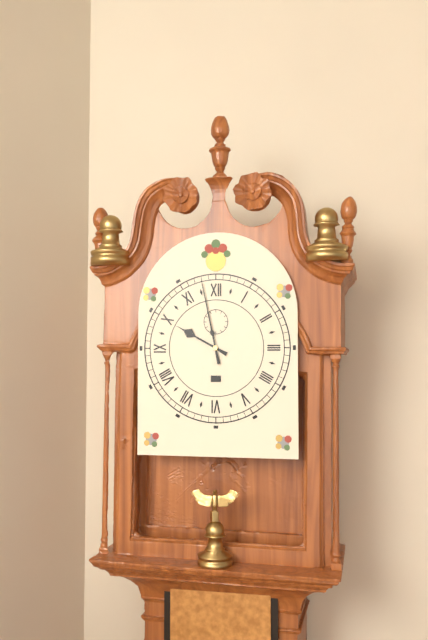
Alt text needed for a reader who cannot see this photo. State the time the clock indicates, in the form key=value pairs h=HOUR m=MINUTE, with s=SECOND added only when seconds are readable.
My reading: h=9 m=58
